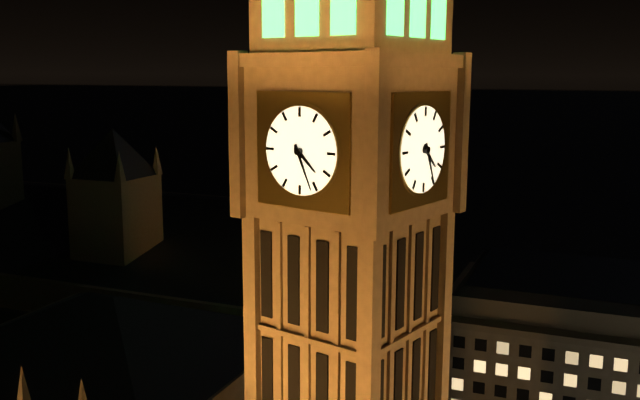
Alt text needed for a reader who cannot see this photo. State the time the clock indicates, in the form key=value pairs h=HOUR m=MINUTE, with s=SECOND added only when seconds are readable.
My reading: h=4 m=26
